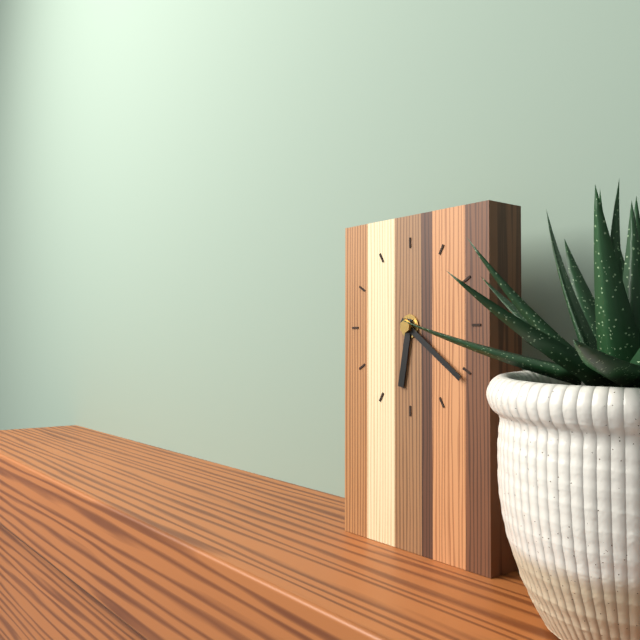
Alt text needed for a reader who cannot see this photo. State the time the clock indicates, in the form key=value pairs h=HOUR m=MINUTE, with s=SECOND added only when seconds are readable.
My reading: h=6 m=21
